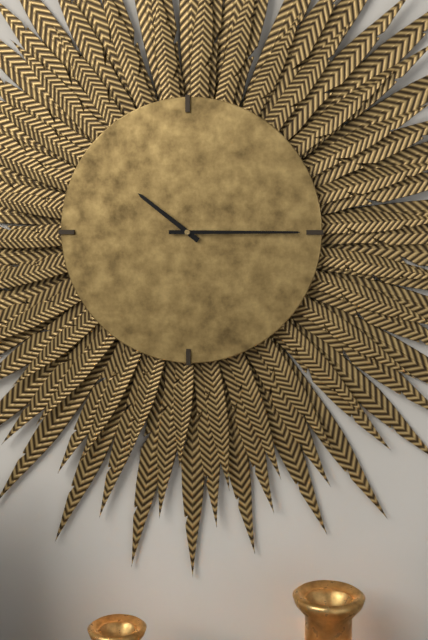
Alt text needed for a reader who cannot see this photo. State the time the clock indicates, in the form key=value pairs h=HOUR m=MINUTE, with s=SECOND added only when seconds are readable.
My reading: h=10 m=15
